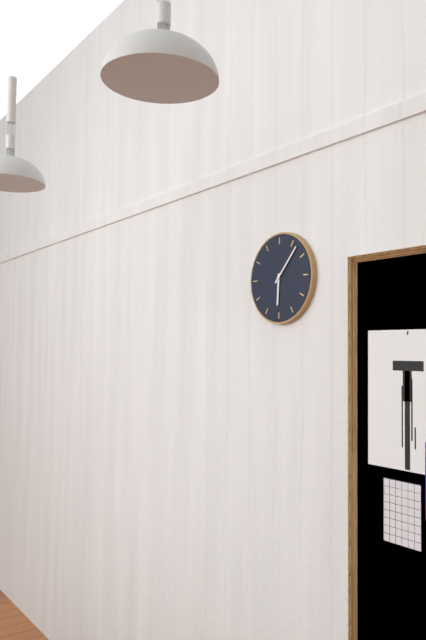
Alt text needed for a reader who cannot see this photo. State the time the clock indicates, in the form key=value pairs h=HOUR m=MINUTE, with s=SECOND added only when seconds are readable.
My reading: h=6 m=7
